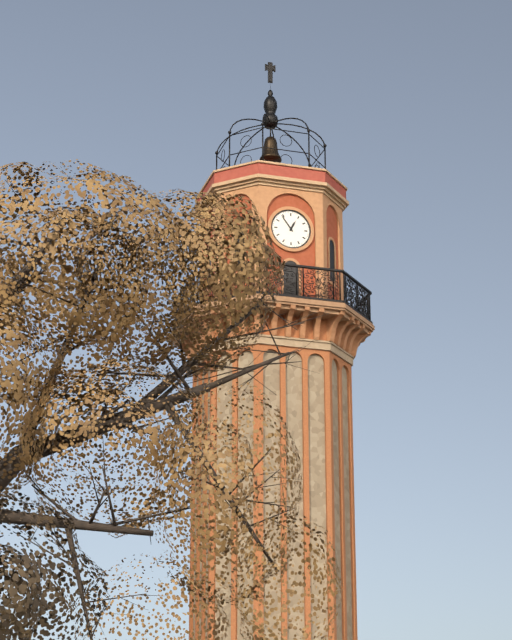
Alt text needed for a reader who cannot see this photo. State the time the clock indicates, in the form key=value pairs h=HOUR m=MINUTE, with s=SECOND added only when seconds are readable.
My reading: h=12 m=54
